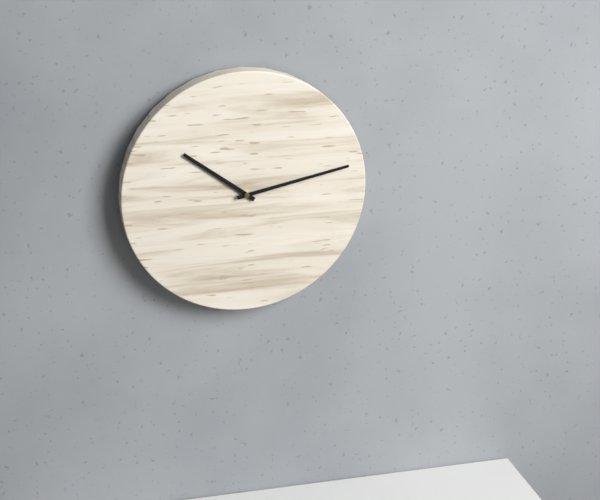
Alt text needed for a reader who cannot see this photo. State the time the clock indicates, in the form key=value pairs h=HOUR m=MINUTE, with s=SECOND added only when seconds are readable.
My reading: h=10 m=13
